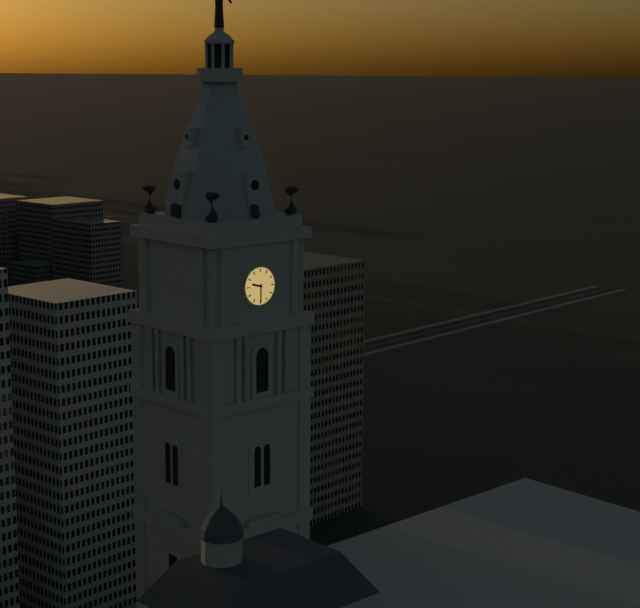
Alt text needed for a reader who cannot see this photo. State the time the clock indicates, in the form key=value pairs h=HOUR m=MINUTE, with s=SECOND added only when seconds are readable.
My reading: h=9 m=30
